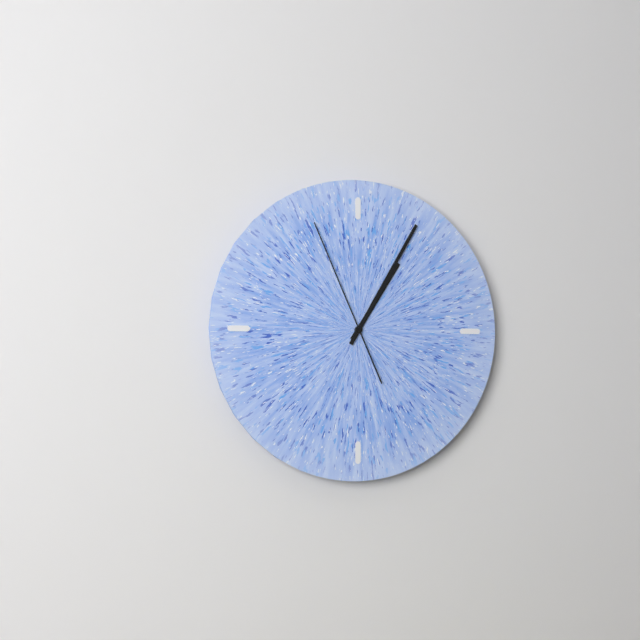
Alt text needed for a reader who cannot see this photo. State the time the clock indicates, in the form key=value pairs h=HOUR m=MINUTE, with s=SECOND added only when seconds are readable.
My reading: h=1 m=5 s=56
